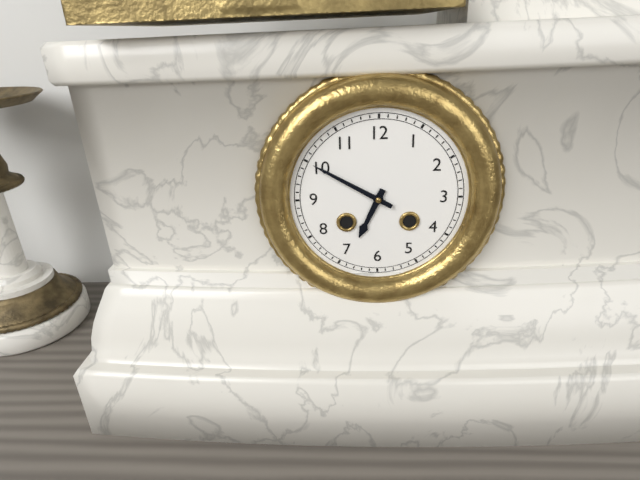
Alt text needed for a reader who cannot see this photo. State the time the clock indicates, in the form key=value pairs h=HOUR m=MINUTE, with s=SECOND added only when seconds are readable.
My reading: h=6 m=50
